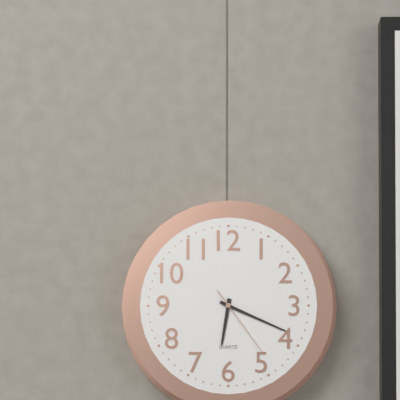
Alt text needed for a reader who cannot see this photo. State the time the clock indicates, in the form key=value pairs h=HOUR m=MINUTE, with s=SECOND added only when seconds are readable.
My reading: h=6 m=19 s=24
